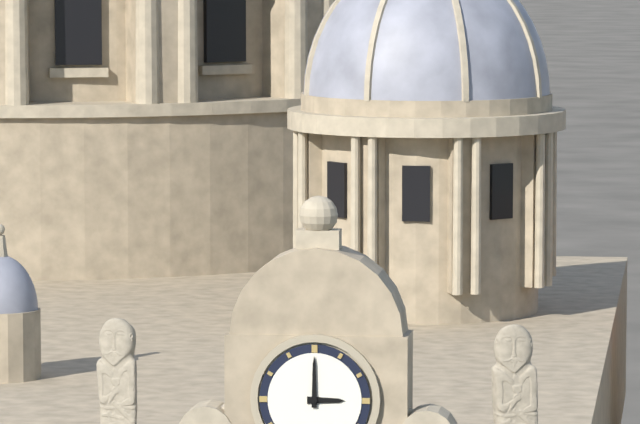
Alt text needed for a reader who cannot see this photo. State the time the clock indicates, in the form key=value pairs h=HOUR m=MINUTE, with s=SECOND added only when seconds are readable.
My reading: h=3 m=0
